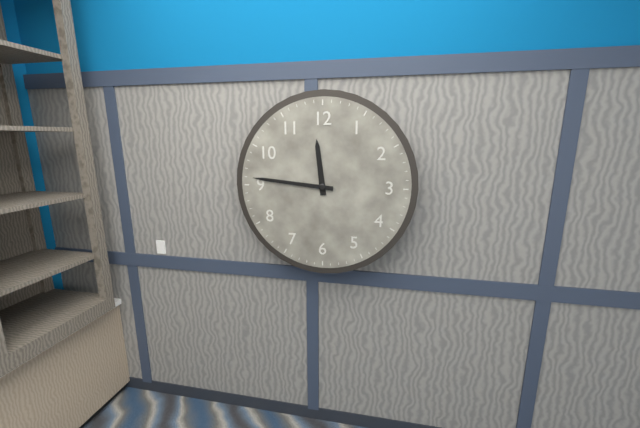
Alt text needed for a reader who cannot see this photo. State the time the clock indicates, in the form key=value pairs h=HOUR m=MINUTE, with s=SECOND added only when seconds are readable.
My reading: h=11 m=46
